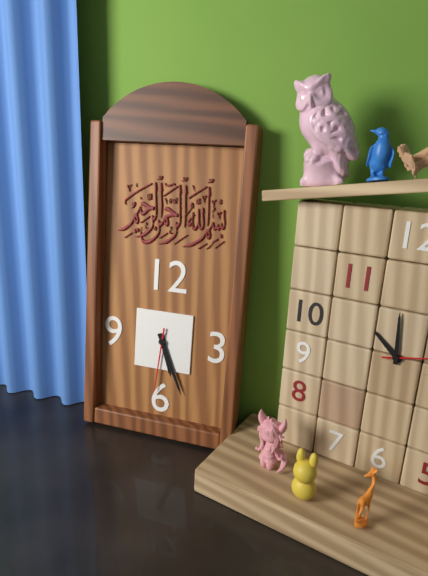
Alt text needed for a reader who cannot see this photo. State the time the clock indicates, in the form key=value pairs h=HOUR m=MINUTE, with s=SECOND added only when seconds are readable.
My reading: h=5 m=26 s=31
